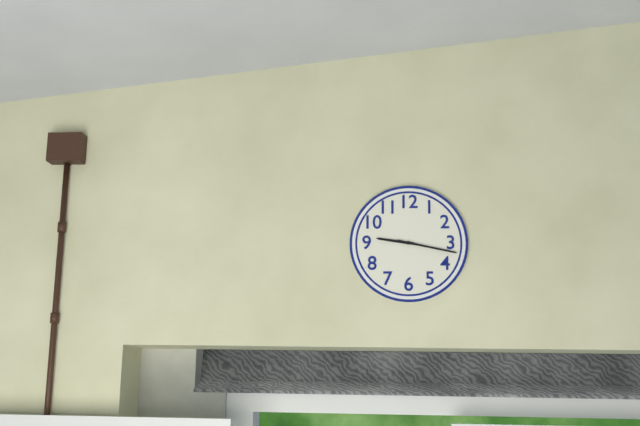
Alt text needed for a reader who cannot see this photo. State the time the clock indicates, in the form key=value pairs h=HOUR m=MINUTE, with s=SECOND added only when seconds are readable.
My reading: h=9 m=17
